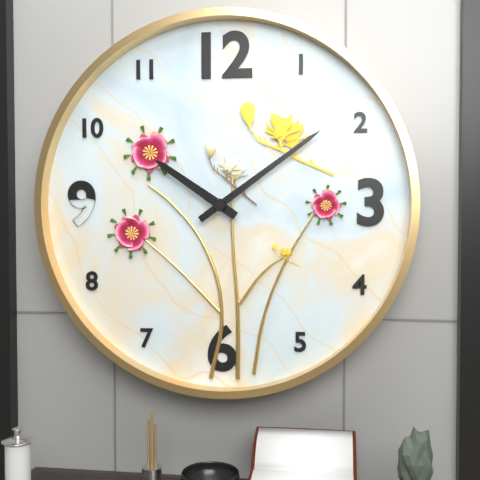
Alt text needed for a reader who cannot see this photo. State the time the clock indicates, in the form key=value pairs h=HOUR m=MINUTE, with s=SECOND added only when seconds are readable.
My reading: h=10 m=9
